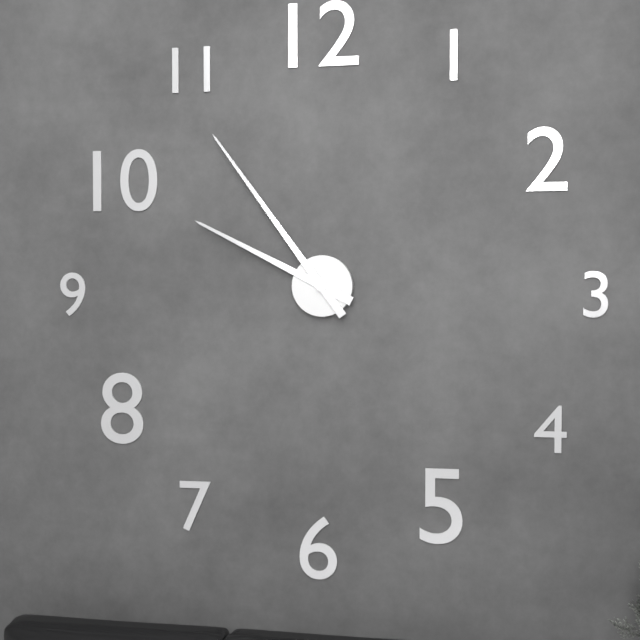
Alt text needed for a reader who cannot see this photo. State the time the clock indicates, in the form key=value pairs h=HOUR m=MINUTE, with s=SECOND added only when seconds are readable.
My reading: h=9 m=54
